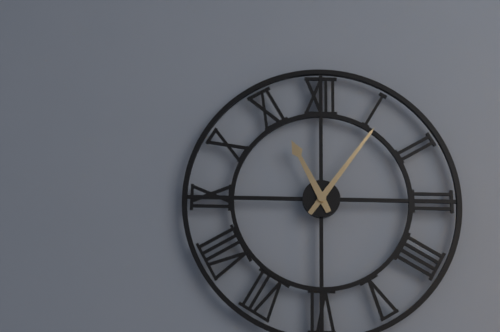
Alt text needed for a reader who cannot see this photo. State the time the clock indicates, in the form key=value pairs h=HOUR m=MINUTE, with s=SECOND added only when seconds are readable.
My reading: h=11 m=6
